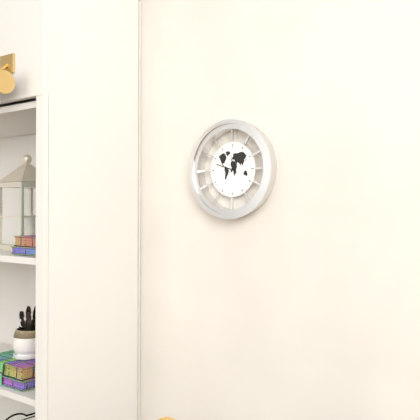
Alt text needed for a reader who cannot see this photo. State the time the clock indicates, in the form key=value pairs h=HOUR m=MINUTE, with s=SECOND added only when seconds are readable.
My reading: h=12 m=48
